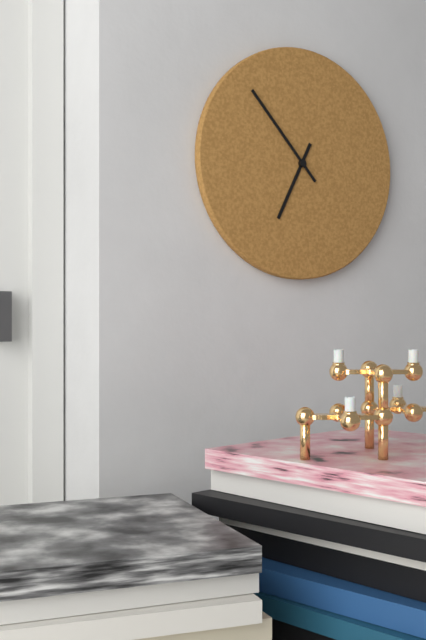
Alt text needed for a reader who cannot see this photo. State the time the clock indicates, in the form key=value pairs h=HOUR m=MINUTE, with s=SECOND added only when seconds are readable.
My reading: h=6 m=53
